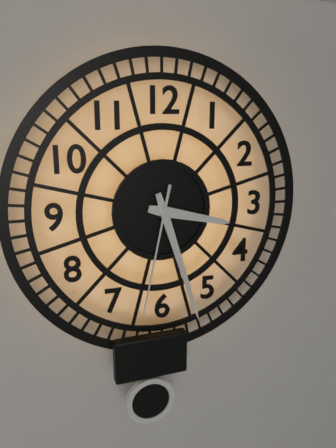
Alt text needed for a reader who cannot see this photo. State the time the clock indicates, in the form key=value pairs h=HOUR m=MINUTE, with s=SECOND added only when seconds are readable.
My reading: h=3 m=27 s=32
